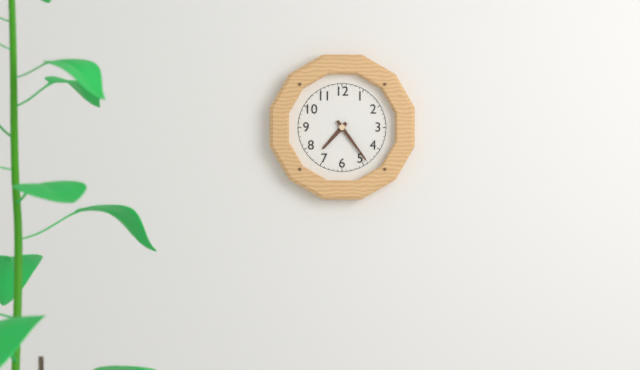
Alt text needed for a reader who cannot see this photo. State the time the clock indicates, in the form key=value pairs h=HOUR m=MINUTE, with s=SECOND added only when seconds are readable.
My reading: h=7 m=24
